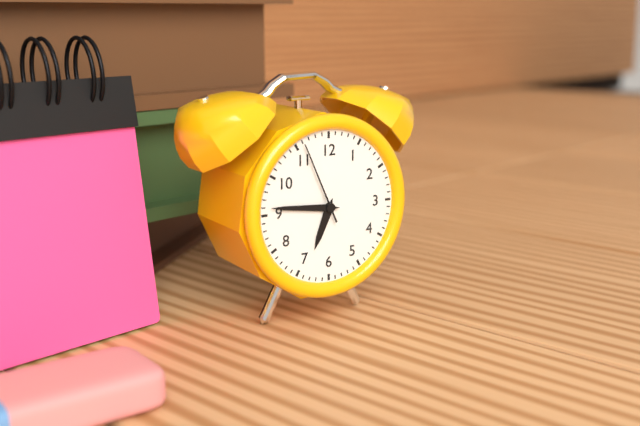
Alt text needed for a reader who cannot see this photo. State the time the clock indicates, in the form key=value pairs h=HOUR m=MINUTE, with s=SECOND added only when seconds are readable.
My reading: h=6 m=46 s=56
